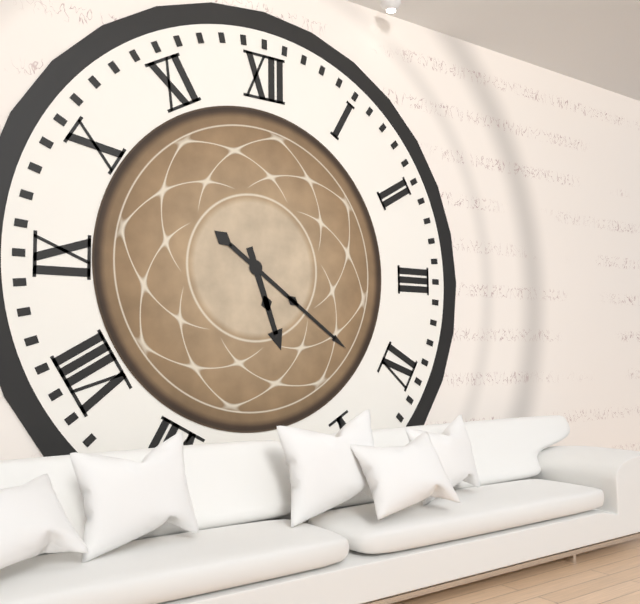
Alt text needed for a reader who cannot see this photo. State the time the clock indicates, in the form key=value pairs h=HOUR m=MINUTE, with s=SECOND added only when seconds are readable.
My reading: h=5 m=21
